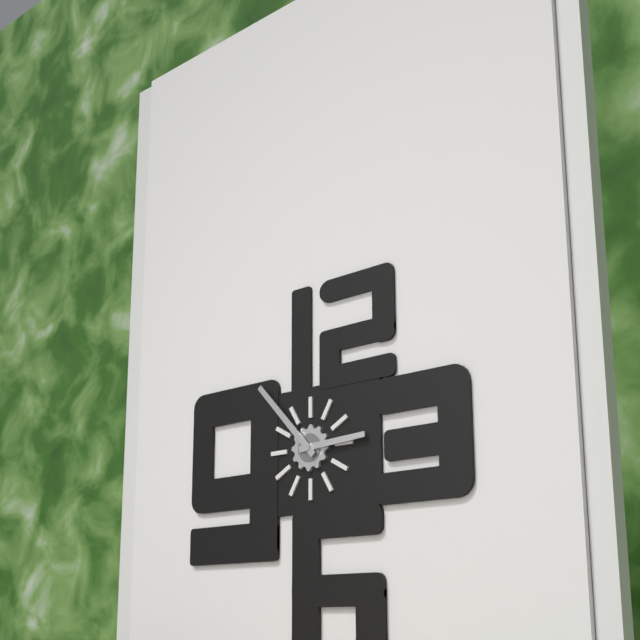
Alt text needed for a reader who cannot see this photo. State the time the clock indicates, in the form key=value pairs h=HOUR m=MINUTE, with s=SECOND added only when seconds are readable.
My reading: h=2 m=53
